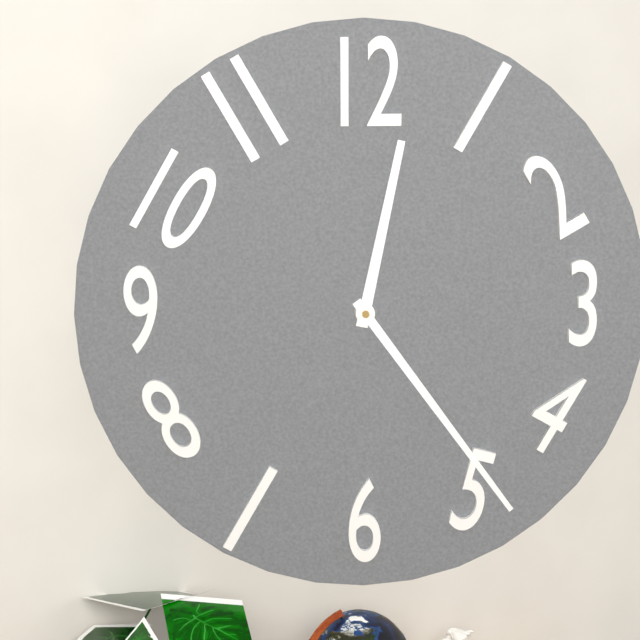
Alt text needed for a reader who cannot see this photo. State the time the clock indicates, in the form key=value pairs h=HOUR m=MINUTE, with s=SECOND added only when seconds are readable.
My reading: h=12 m=24
